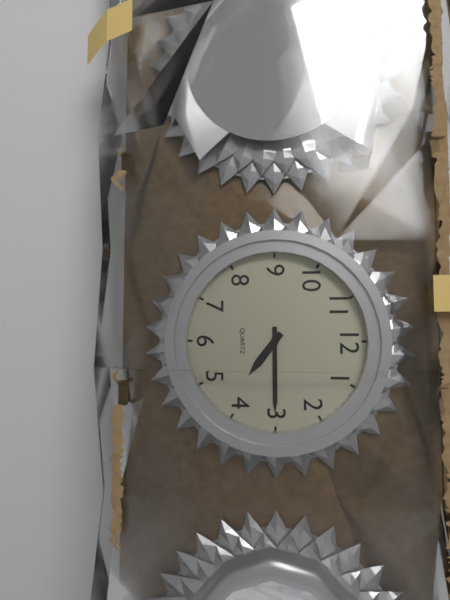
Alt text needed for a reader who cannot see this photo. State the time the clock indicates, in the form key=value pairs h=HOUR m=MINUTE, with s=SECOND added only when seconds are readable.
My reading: h=4 m=15
